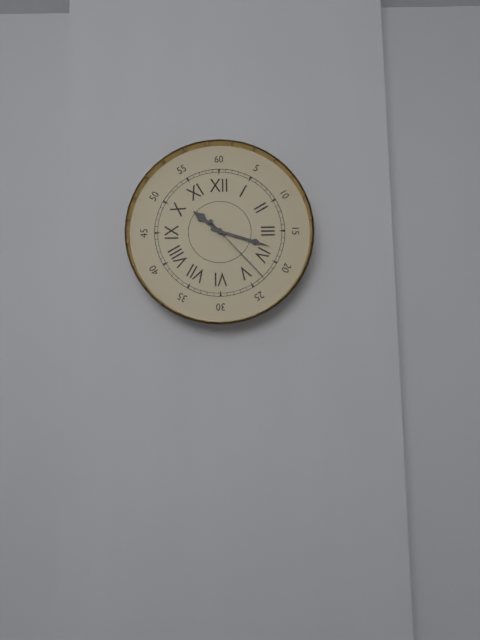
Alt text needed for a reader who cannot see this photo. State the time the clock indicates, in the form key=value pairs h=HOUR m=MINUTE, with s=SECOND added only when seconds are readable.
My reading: h=10 m=18 s=23
